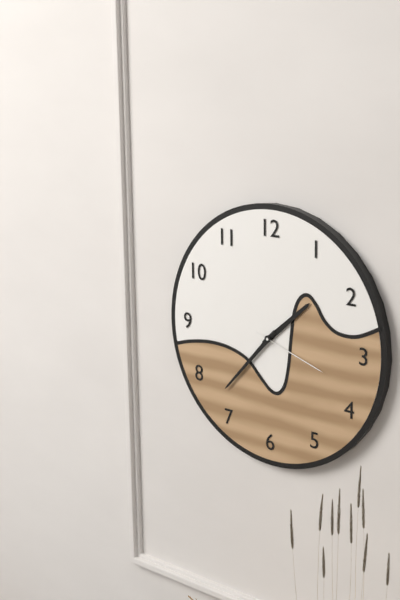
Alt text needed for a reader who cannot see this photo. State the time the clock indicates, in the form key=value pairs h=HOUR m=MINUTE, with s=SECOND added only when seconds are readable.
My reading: h=1 m=37 s=18
